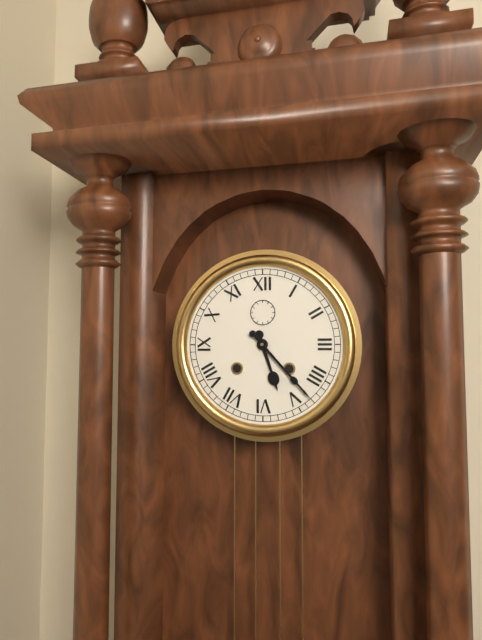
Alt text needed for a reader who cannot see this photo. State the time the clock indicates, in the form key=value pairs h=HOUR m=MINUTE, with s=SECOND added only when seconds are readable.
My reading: h=5 m=23
